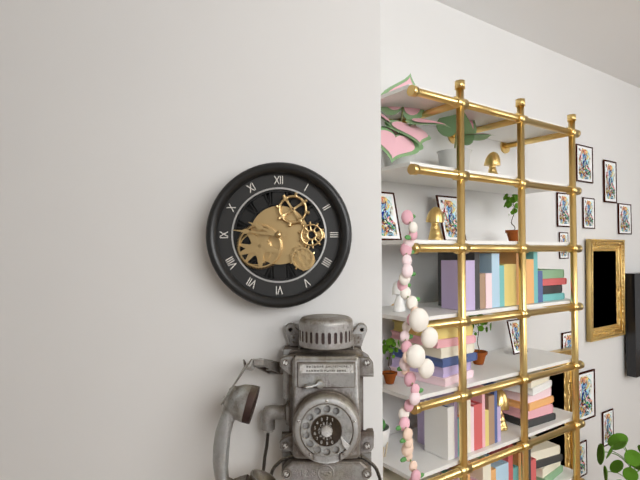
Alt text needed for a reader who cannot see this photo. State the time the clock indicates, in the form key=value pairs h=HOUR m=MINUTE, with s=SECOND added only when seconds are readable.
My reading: h=9 m=46
